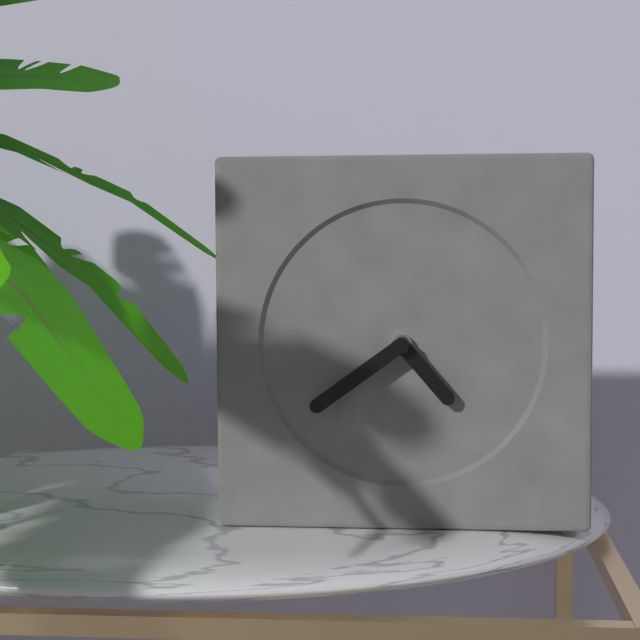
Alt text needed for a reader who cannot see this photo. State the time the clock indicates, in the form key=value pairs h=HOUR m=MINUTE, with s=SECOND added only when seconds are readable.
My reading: h=4 m=39
